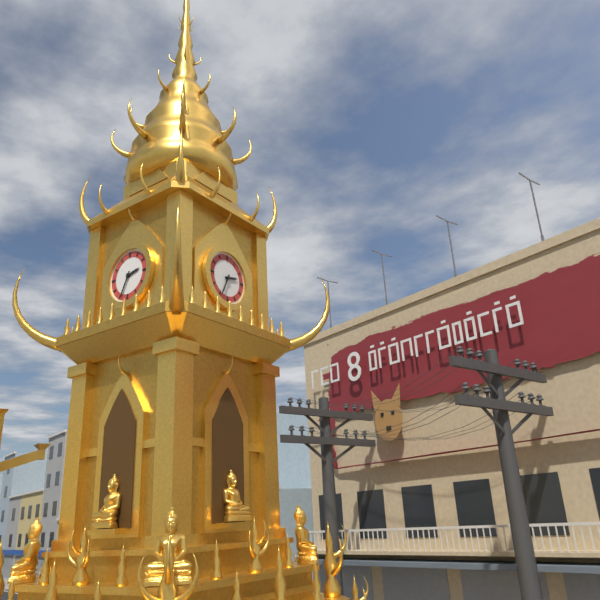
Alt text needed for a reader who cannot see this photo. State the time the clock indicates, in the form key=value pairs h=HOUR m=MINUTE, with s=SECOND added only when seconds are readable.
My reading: h=2 m=34
